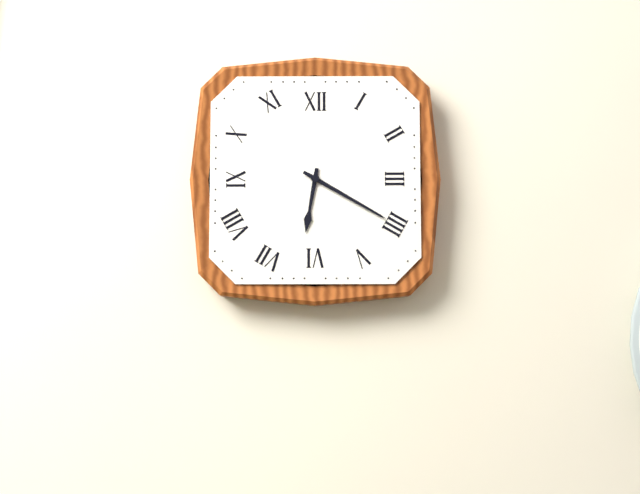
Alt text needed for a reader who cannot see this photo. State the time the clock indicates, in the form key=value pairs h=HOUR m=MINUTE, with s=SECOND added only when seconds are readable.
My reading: h=6 m=20
